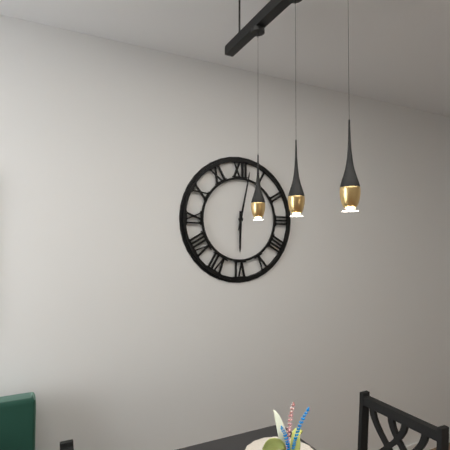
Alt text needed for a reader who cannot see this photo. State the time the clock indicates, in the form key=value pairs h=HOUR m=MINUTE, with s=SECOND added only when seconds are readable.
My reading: h=6 m=2
